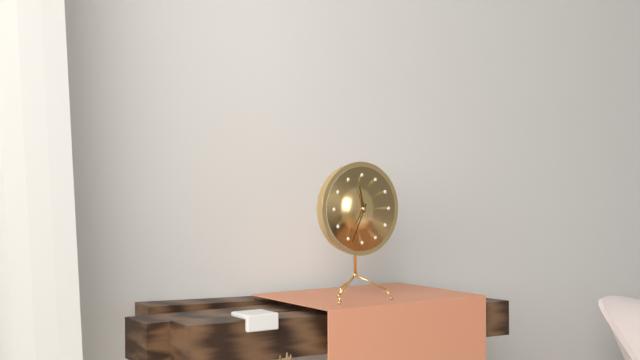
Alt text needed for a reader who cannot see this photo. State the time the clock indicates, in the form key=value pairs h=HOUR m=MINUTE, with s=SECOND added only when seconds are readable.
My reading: h=11 m=34
